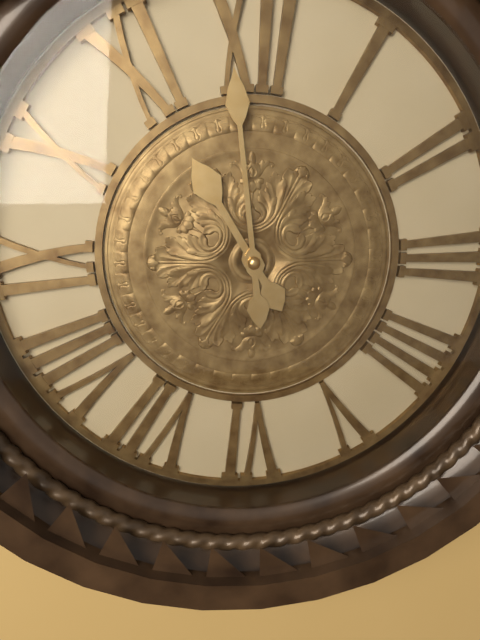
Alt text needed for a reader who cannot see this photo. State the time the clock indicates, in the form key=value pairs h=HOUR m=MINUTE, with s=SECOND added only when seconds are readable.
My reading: h=10 m=59
